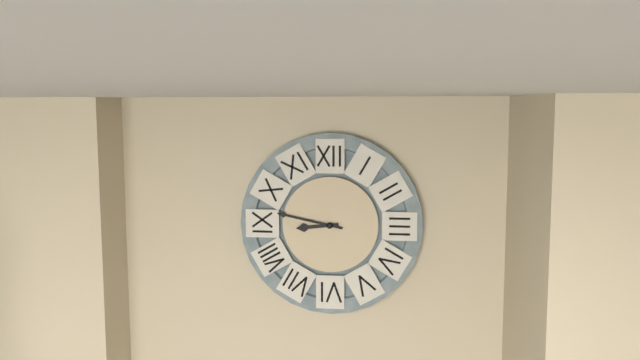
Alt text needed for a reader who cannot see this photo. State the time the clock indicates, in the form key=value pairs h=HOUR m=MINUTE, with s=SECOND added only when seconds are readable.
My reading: h=8 m=47
